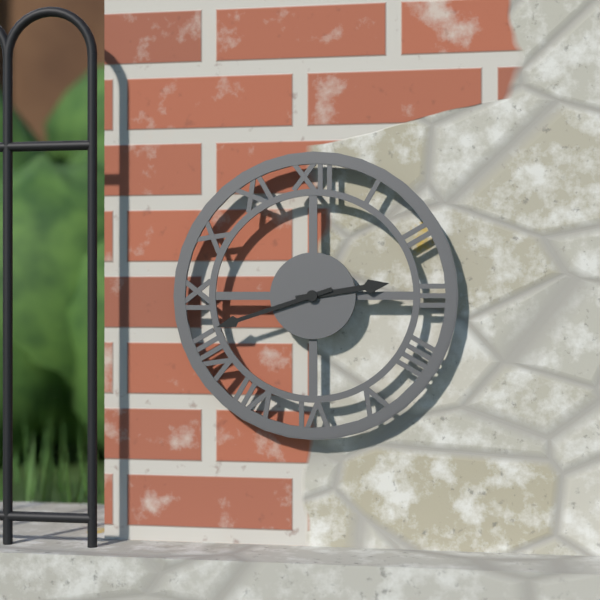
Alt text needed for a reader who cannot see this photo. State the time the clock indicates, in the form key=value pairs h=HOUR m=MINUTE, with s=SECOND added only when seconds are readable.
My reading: h=2 m=42
